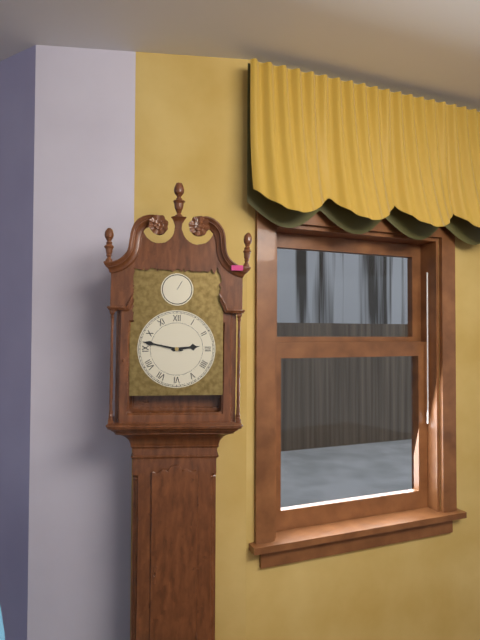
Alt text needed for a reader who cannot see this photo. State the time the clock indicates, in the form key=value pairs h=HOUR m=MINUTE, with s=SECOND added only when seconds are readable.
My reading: h=2 m=47
